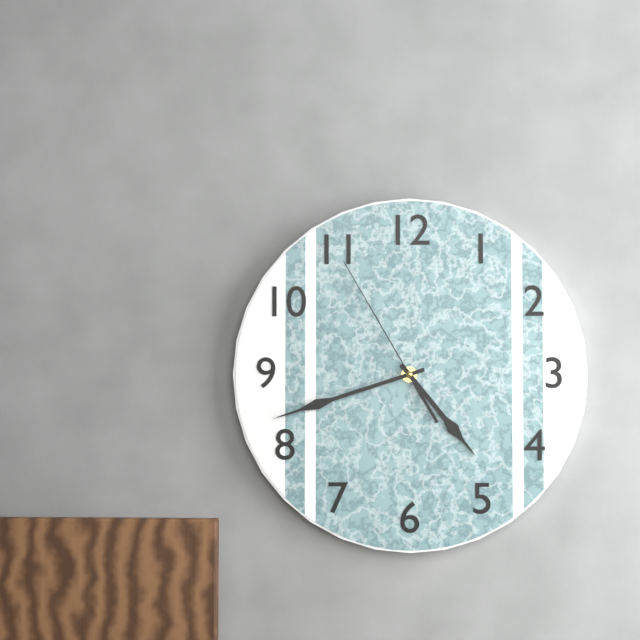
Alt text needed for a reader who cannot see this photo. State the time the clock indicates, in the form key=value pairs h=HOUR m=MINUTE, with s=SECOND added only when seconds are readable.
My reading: h=4 m=42 s=55
